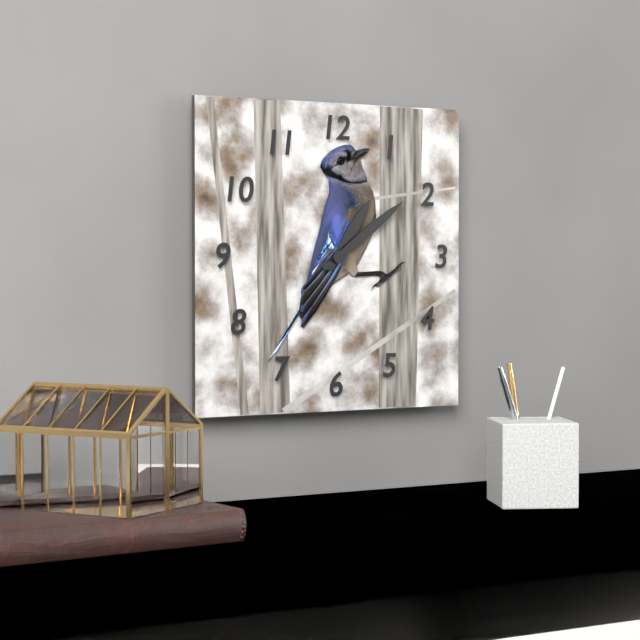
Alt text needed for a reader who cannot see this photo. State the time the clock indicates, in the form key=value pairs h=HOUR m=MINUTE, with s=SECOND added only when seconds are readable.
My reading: h=1 m=9
